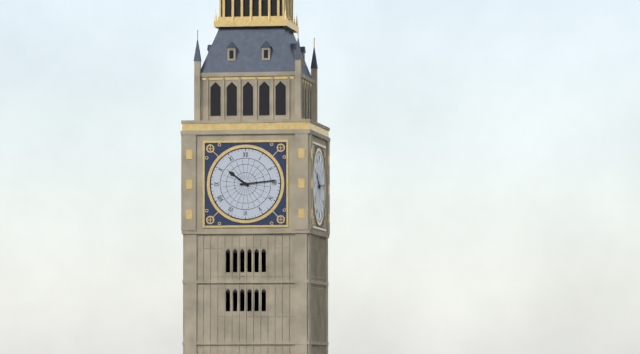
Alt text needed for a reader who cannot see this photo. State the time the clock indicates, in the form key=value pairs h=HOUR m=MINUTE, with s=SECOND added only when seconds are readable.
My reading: h=10 m=14
